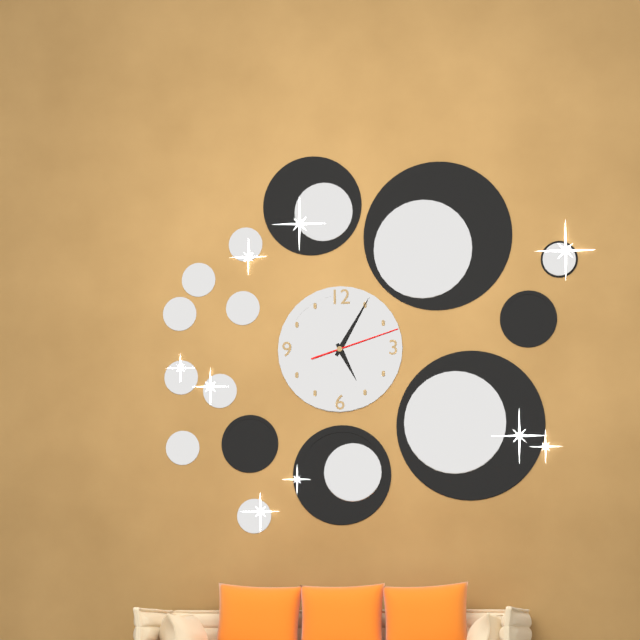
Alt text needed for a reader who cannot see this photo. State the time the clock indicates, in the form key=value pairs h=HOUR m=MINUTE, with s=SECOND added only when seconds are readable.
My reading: h=5 m=5 s=12
